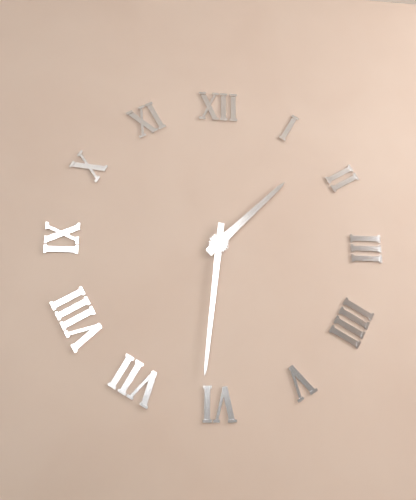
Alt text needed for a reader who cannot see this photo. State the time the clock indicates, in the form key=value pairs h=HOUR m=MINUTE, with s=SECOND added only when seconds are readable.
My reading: h=1 m=31
